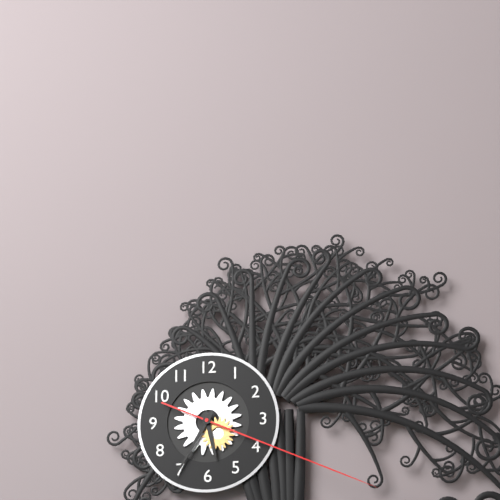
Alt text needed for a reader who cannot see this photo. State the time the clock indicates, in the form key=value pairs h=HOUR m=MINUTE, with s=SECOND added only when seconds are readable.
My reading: h=5 m=35 s=19
